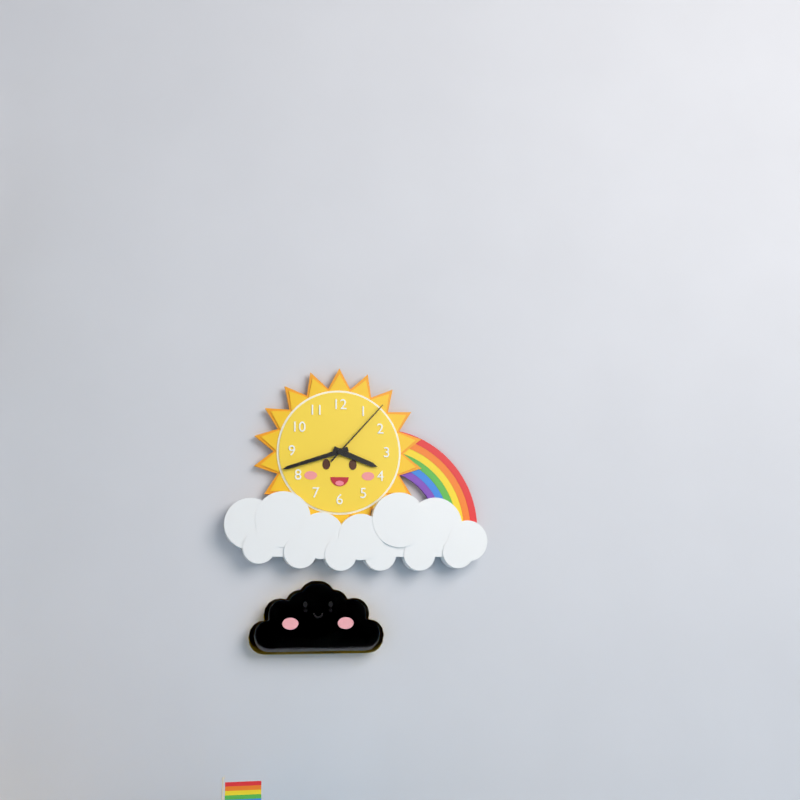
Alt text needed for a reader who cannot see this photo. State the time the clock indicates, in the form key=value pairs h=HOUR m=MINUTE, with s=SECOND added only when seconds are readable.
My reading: h=3 m=42 s=7
